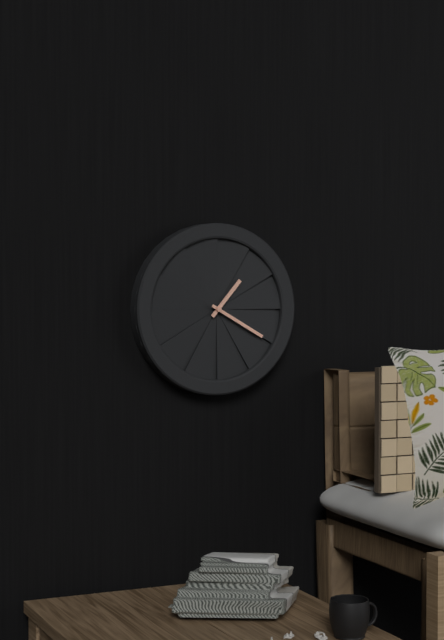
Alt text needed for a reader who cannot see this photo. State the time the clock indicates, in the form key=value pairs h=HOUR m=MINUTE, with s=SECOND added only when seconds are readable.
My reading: h=1 m=20
